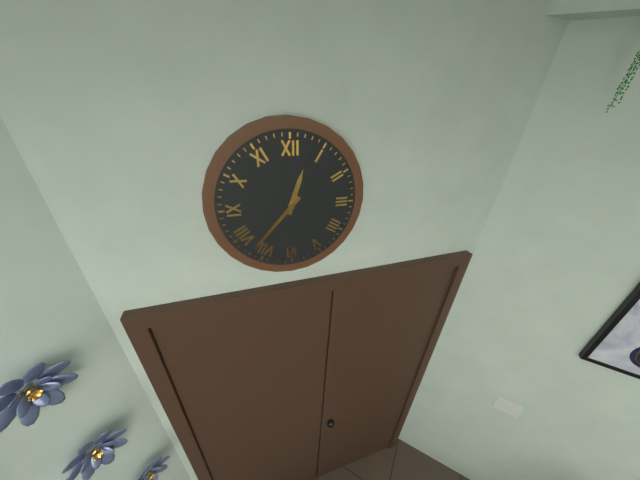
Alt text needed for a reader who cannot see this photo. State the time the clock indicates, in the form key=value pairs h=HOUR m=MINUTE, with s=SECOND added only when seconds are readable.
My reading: h=12 m=37
